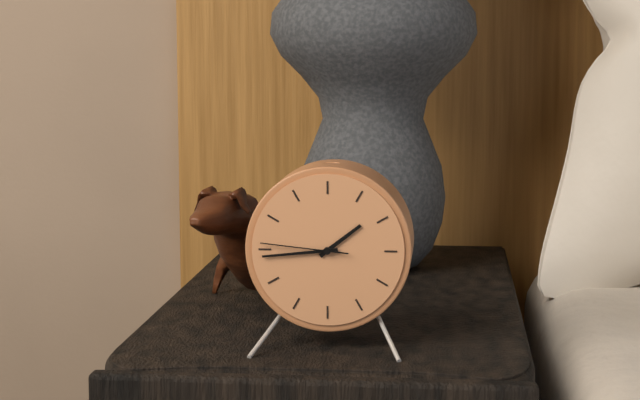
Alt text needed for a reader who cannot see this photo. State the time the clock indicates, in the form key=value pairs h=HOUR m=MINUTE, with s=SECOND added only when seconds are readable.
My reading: h=1 m=44 s=46
